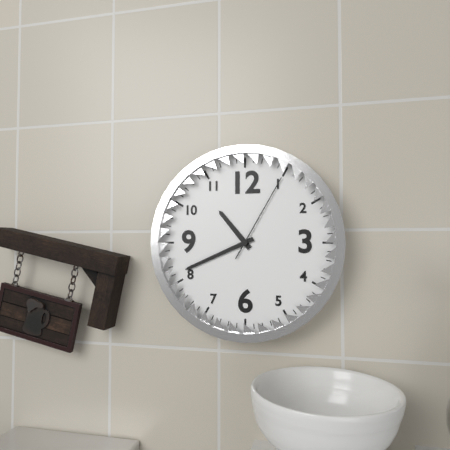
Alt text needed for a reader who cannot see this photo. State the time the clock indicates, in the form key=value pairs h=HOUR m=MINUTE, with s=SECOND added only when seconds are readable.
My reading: h=10 m=41 s=5
